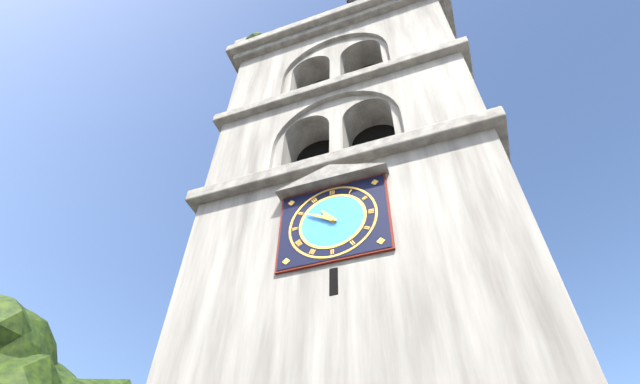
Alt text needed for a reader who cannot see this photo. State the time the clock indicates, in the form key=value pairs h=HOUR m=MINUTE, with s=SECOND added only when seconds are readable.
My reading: h=10 m=50
